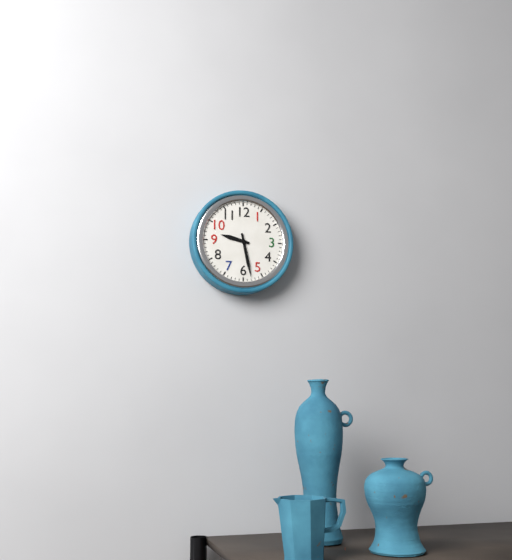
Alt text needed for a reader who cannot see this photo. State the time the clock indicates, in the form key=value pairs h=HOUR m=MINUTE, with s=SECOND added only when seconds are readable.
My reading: h=9 m=28
